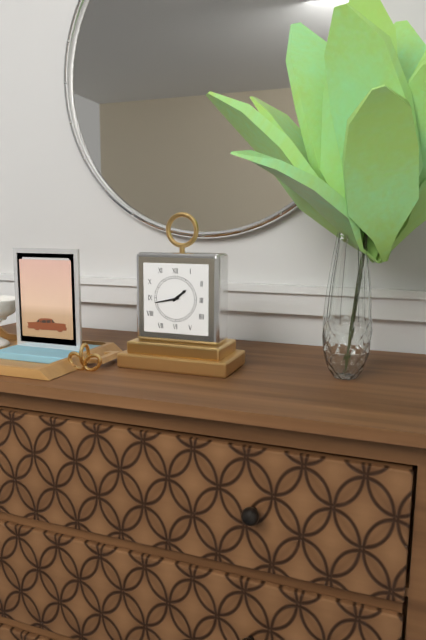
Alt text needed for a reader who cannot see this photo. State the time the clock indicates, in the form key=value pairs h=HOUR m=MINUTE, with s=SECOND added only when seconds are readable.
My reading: h=1 m=43
